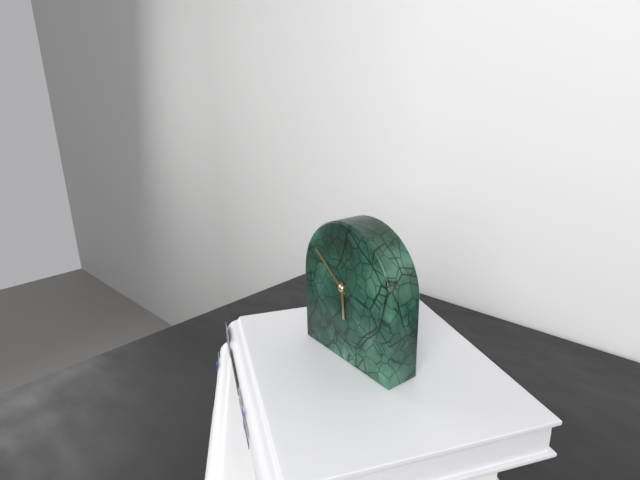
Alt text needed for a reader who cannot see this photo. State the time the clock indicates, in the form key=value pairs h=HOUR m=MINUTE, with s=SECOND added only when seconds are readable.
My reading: h=5 m=51
